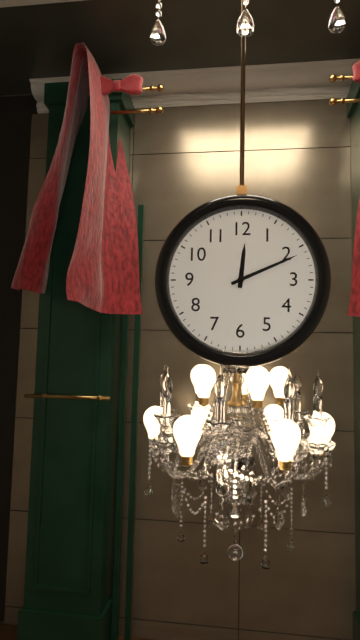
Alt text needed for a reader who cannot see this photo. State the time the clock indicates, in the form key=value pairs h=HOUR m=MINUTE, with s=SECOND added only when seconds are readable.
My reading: h=12 m=11
